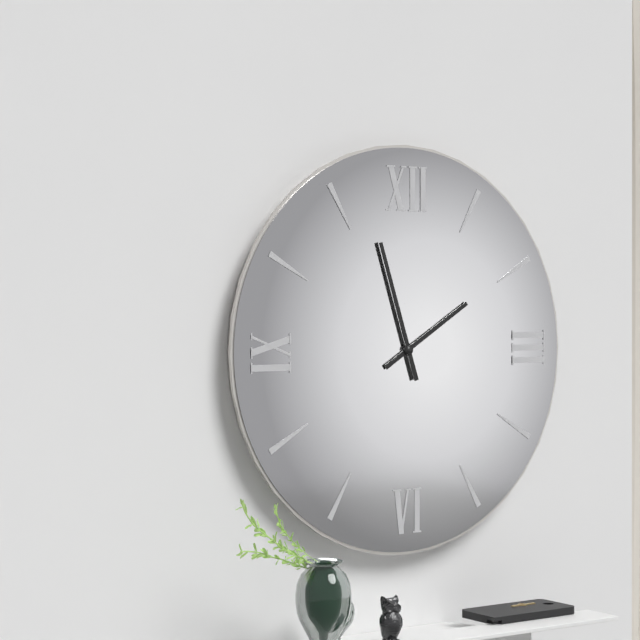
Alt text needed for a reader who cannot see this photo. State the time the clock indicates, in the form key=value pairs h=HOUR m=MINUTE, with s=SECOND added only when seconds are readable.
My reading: h=1 m=57
